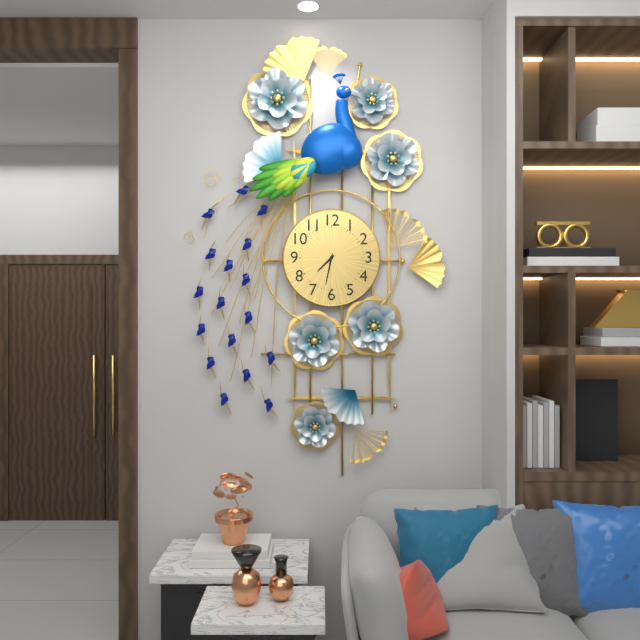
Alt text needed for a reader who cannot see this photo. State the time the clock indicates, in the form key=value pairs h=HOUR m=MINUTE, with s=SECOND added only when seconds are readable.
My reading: h=7 m=32
